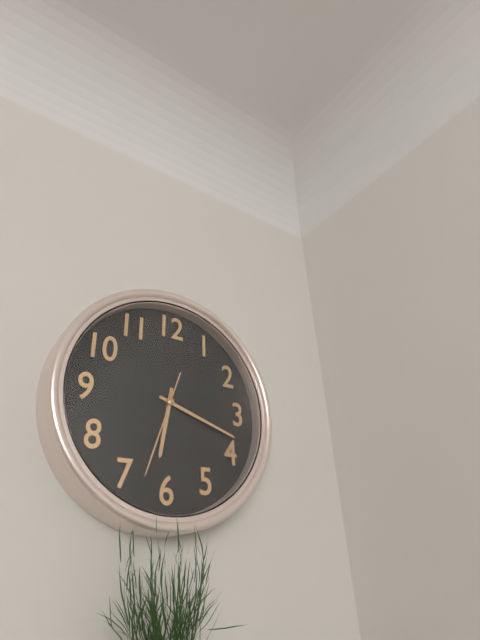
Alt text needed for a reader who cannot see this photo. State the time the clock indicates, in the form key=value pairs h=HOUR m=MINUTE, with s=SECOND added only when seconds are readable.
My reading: h=6 m=18 s=33
